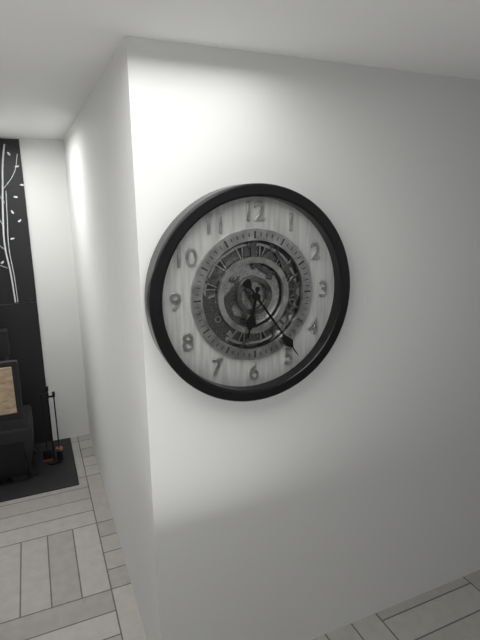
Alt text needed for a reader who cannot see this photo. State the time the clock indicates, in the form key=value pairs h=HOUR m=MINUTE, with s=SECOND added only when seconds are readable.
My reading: h=6 m=24
